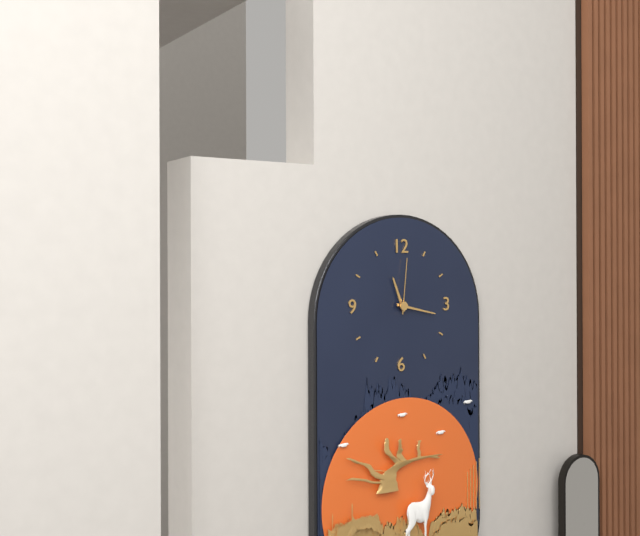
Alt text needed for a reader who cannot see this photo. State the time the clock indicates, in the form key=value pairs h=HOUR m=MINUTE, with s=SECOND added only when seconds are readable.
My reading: h=11 m=17 s=1
